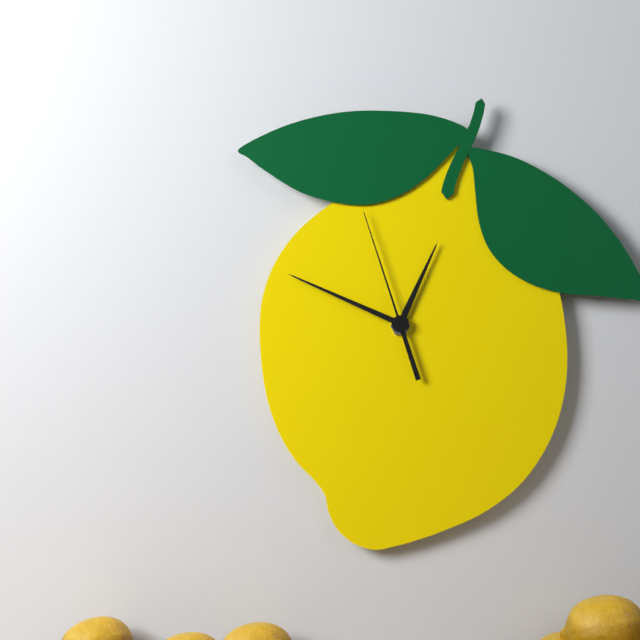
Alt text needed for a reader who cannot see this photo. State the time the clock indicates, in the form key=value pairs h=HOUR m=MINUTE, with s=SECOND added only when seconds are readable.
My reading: h=12 m=49 s=57
